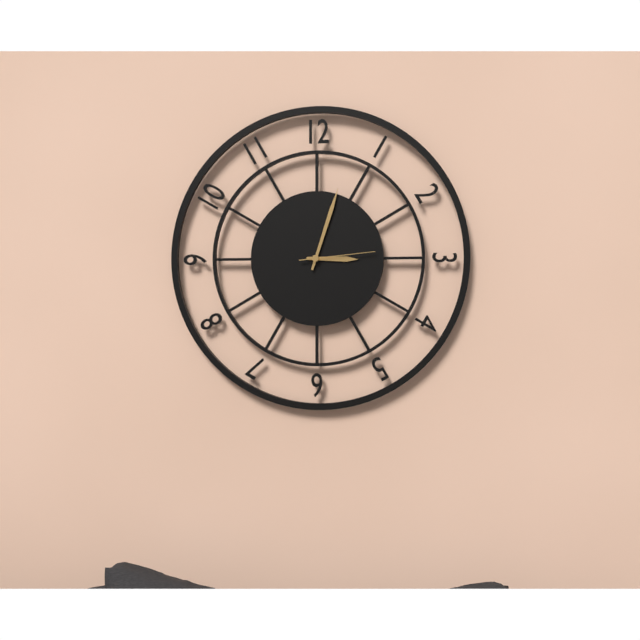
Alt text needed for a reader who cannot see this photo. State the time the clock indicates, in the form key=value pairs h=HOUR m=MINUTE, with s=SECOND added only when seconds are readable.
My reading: h=3 m=3 s=14
